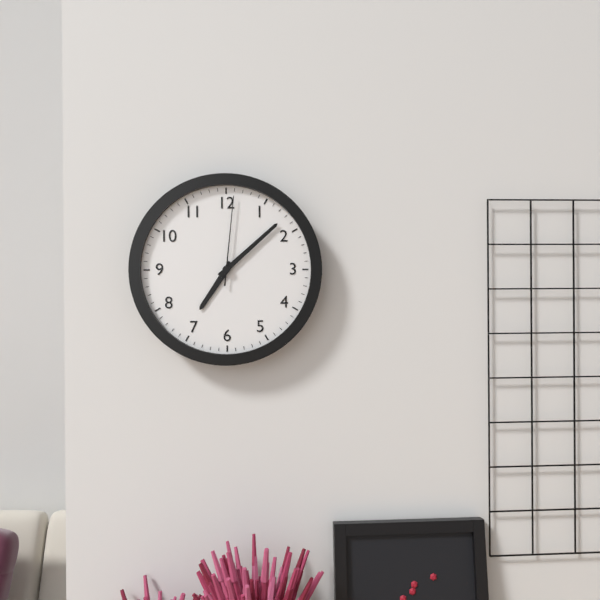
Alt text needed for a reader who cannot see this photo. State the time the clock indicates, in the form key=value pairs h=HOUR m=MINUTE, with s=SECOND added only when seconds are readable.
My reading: h=7 m=8 s=1
